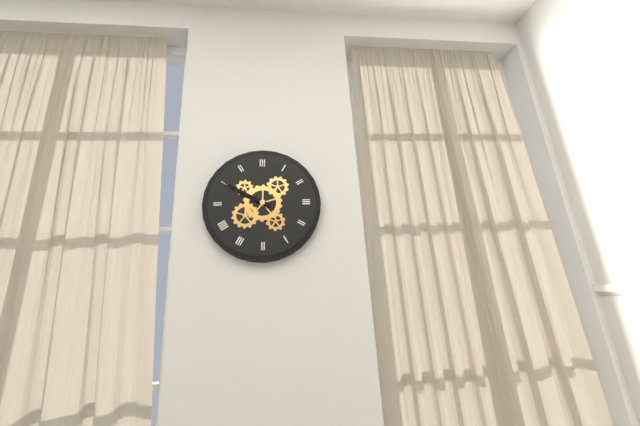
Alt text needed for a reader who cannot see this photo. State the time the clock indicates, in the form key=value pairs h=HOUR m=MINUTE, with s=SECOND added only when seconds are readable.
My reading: h=9 m=50
